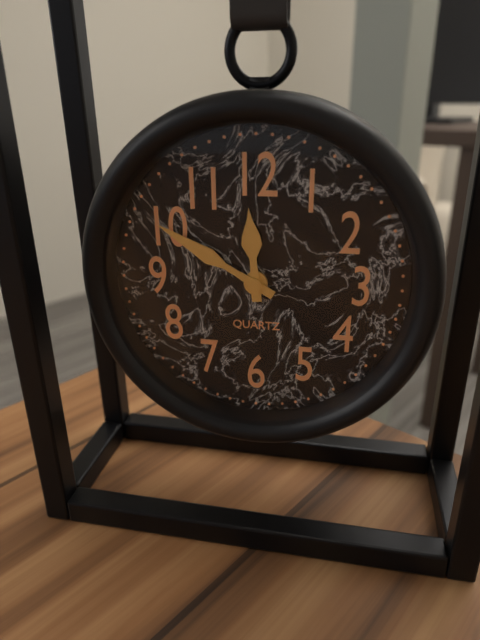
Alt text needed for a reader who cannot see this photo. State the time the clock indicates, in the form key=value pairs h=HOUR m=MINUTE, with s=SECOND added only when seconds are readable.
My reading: h=11 m=50
